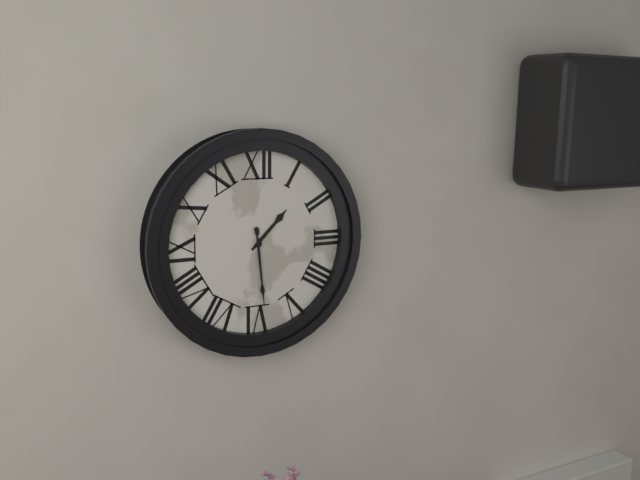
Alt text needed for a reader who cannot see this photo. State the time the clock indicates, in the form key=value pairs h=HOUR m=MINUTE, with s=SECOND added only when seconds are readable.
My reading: h=1 m=29
